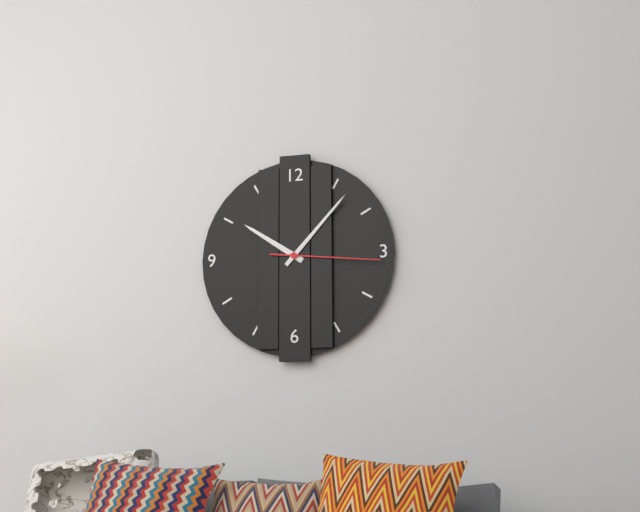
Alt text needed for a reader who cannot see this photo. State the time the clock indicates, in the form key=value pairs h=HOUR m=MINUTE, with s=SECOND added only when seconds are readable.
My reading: h=10 m=7 s=16
